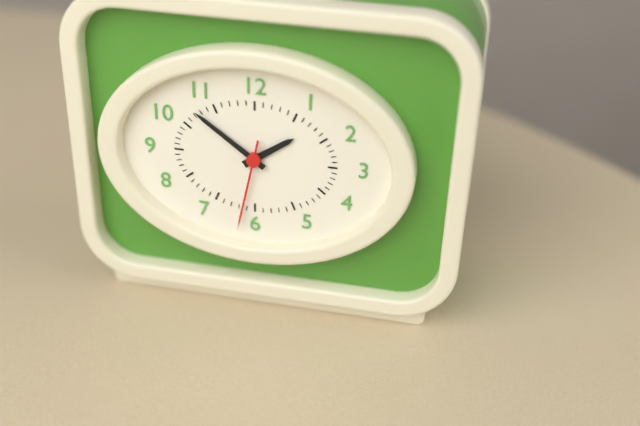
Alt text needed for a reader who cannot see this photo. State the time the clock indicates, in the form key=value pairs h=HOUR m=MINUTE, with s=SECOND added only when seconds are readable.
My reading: h=1 m=51 s=32
